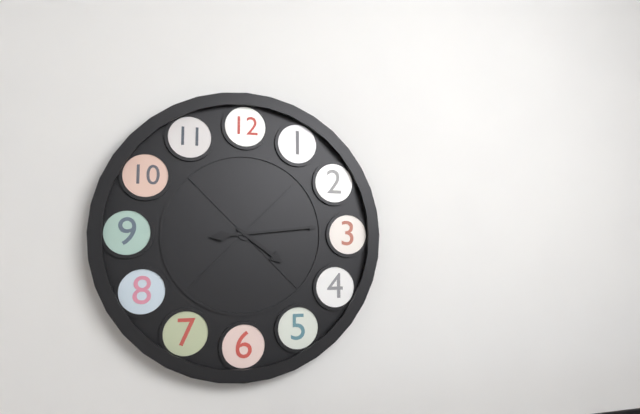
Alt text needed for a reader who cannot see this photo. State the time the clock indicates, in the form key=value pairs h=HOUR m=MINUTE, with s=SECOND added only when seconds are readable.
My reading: h=4 m=14
